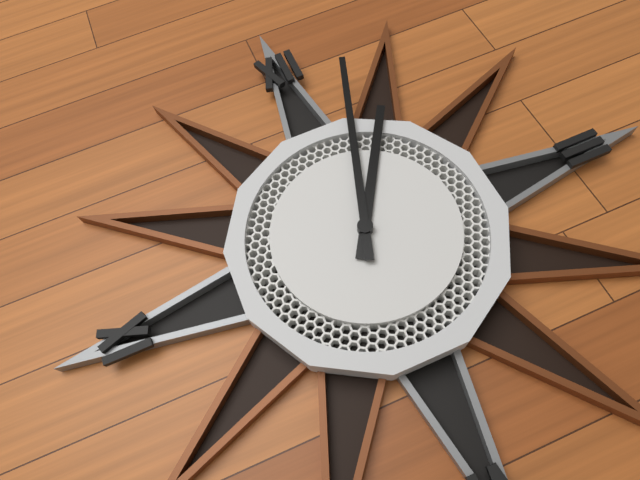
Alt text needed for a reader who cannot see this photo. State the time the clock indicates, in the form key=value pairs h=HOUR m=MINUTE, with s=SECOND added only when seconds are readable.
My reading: h=1 m=3
